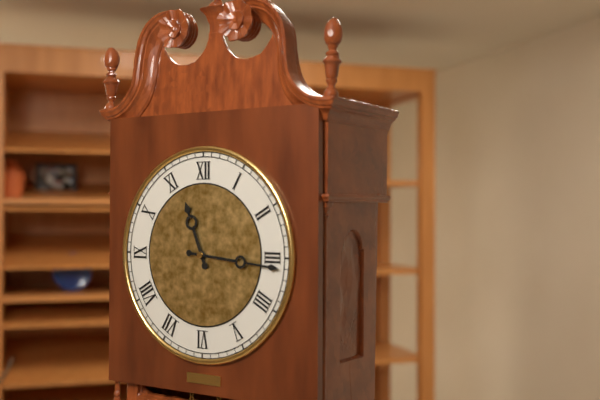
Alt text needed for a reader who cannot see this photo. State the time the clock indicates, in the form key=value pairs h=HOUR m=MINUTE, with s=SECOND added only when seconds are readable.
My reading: h=11 m=16
